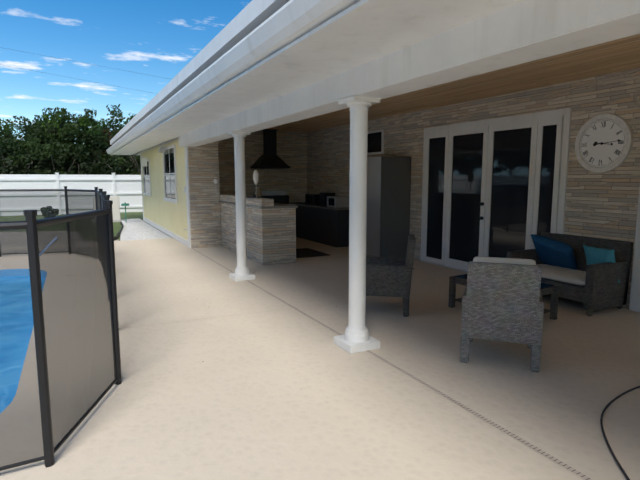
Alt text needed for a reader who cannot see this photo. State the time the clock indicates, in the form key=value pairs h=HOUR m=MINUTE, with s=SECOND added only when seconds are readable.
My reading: h=3 m=14
